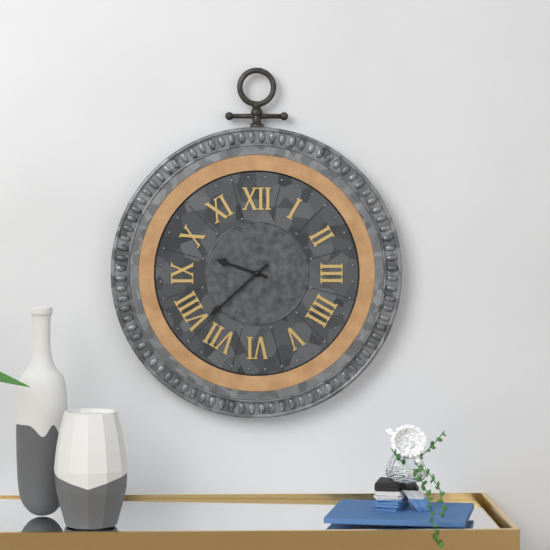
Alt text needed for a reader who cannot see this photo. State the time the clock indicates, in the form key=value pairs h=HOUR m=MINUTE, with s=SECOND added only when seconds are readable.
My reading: h=9 m=38
